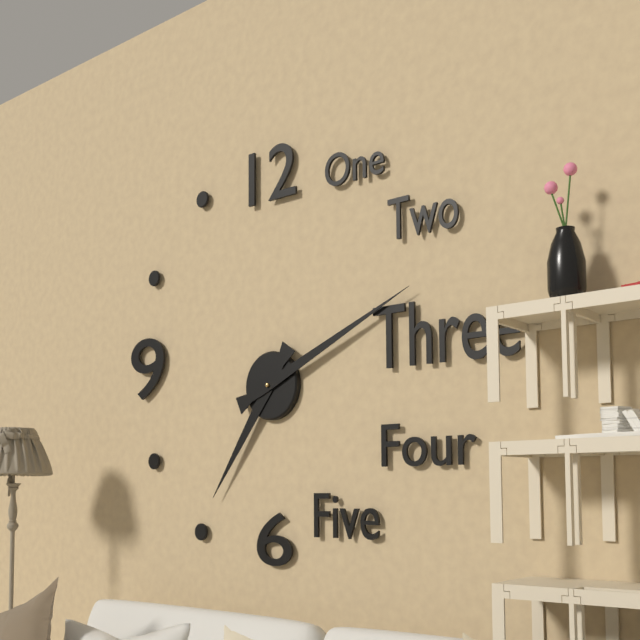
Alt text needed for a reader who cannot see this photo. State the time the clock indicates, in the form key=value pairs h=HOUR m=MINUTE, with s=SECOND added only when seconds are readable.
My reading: h=7 m=11
